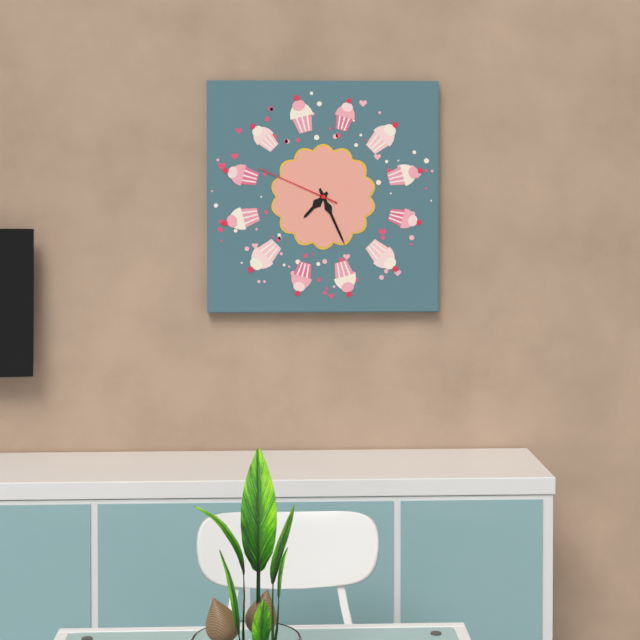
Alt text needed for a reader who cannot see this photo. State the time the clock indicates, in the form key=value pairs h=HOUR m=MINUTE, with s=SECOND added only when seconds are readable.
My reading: h=7 m=26 s=49
